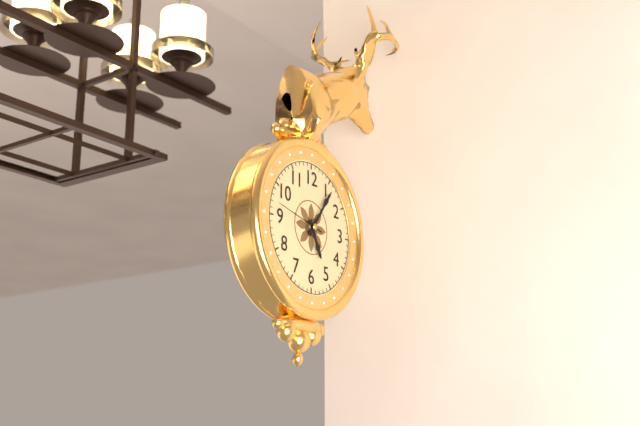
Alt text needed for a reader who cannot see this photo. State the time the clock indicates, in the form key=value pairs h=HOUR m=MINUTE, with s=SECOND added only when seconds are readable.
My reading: h=5 m=6 s=47
